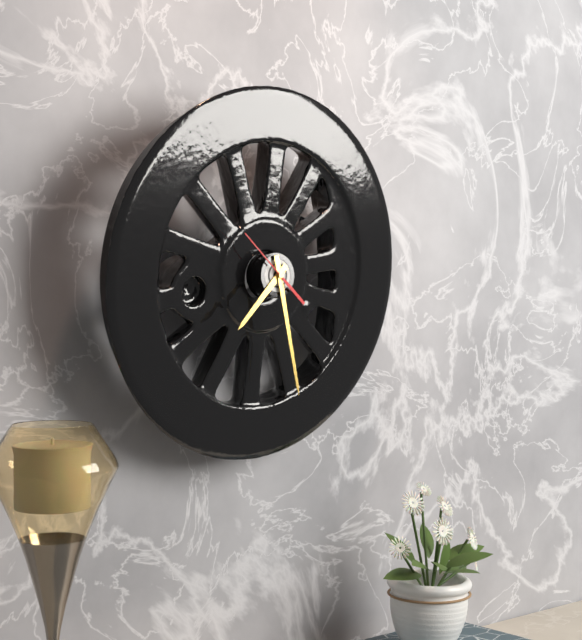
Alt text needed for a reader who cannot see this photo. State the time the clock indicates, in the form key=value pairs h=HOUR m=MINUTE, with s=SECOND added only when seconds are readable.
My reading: h=7 m=28 s=52
